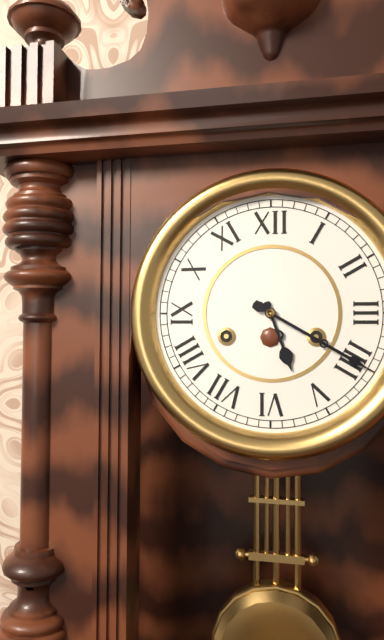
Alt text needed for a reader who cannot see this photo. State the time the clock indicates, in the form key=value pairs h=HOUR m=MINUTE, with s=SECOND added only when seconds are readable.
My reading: h=5 m=20
